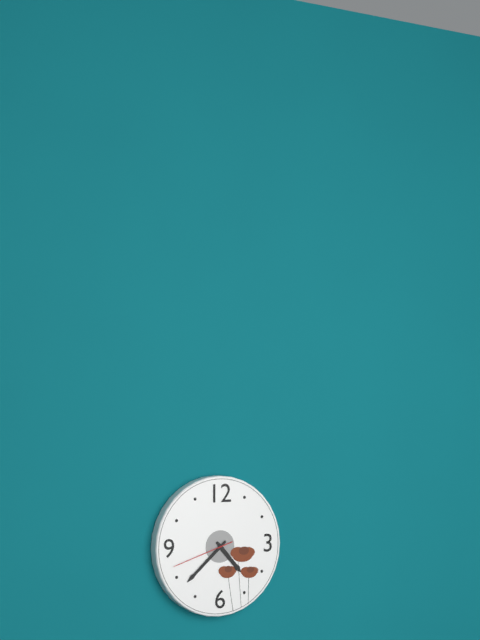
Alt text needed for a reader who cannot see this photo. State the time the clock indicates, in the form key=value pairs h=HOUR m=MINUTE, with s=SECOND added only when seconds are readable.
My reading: h=4 m=38 s=42
